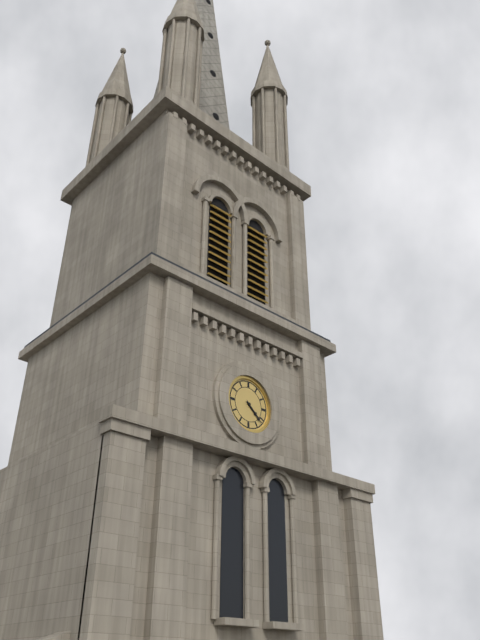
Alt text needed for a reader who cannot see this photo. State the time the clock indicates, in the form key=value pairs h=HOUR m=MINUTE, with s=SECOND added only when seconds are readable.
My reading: h=4 m=22
